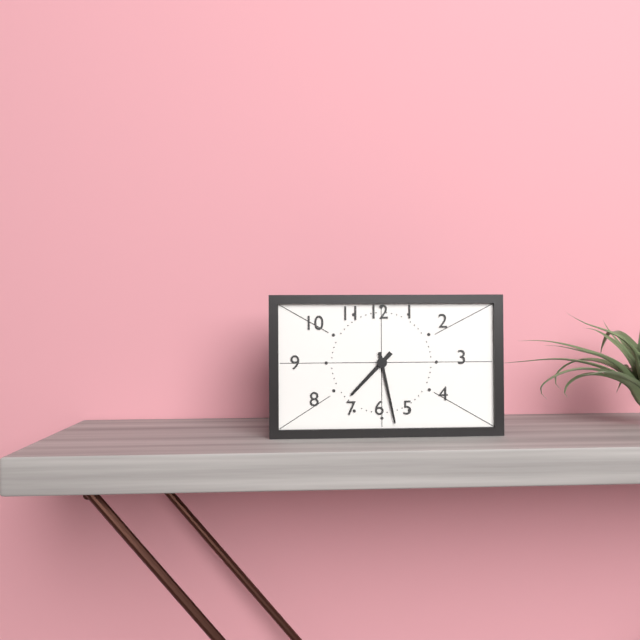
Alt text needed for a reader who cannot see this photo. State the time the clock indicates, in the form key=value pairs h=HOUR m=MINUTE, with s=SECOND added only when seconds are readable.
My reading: h=7 m=28
